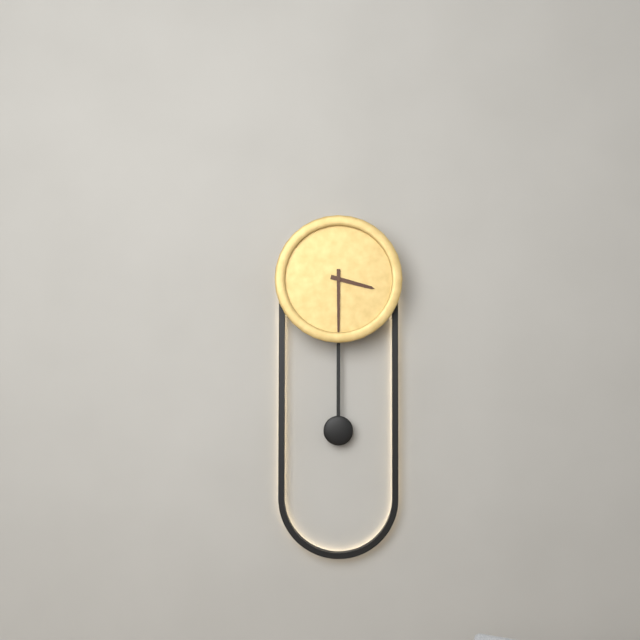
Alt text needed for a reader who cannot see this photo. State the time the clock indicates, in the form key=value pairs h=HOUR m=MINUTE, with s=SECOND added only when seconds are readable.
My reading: h=3 m=30
